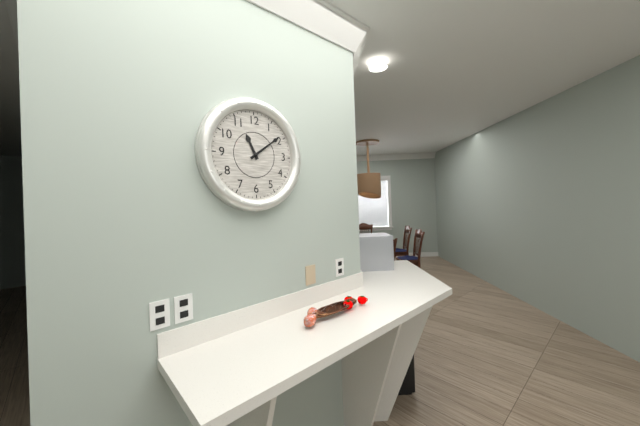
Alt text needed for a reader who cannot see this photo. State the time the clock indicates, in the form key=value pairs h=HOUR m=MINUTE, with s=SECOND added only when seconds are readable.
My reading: h=11 m=9
